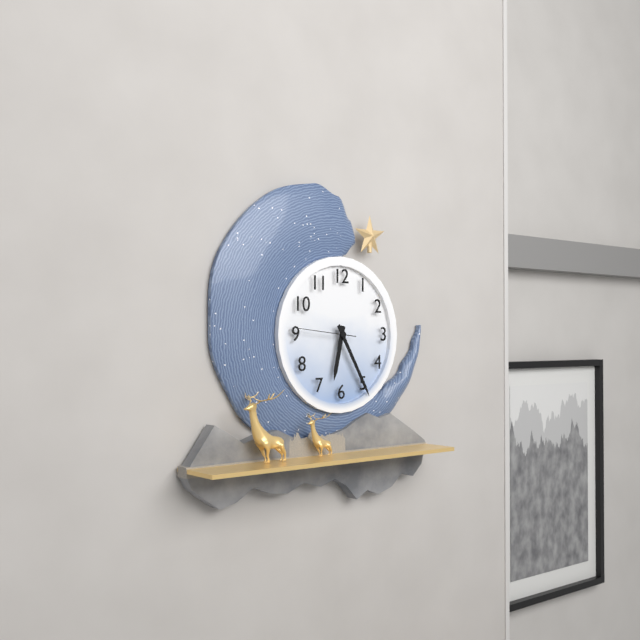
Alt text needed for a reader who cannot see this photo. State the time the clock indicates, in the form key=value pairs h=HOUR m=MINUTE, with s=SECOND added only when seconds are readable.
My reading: h=6 m=25 s=46
